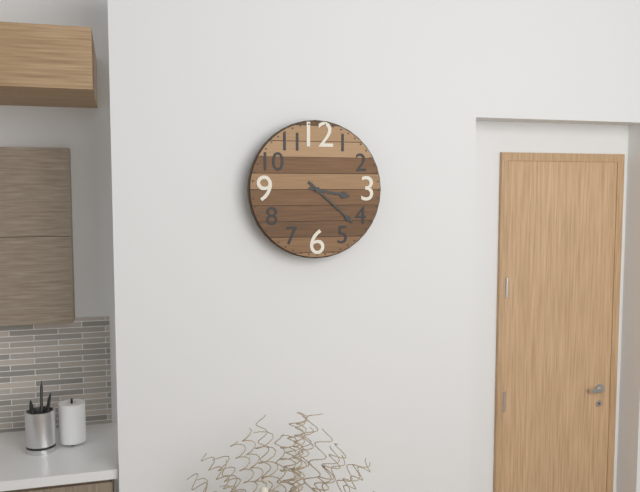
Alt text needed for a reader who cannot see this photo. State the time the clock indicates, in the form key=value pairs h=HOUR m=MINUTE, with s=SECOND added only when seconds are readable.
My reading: h=3 m=22
